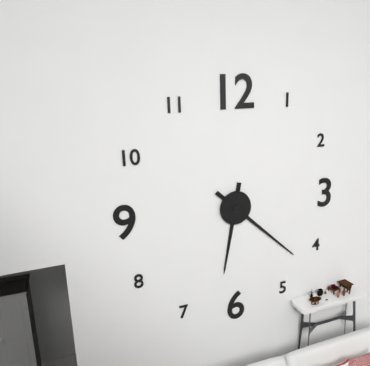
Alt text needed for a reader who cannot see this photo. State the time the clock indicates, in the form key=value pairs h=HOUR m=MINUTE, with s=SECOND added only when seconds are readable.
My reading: h=6 m=22
